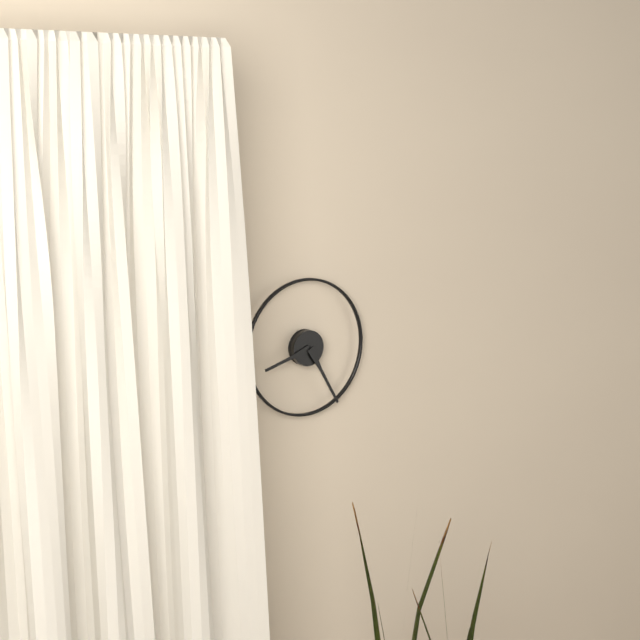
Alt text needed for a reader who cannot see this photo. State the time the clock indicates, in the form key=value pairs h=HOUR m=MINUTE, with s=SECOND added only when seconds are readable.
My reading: h=8 m=25
